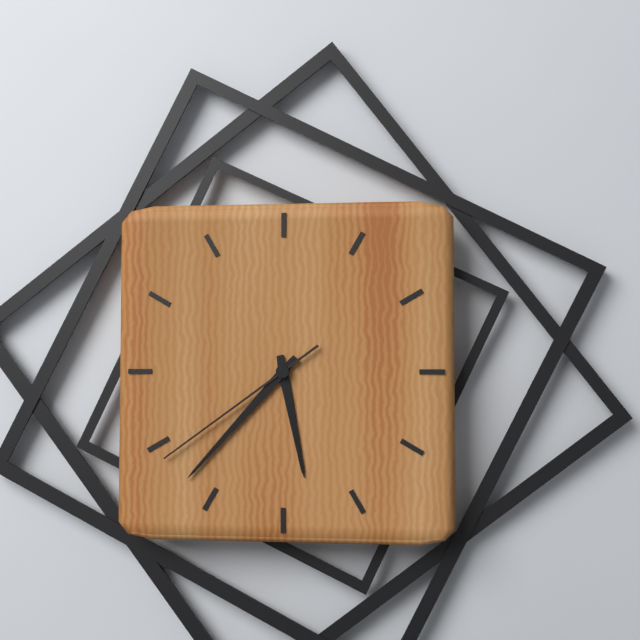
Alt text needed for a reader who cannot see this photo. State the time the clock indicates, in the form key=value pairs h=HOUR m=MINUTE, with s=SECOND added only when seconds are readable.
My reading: h=5 m=37 s=39
